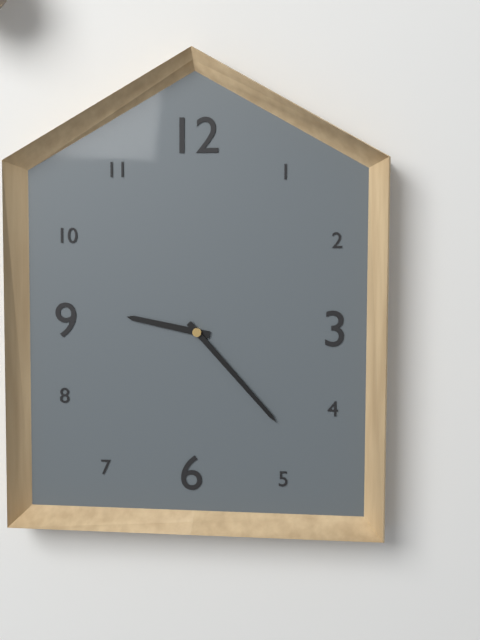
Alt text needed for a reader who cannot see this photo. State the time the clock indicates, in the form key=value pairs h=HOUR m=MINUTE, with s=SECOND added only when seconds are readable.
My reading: h=9 m=23
